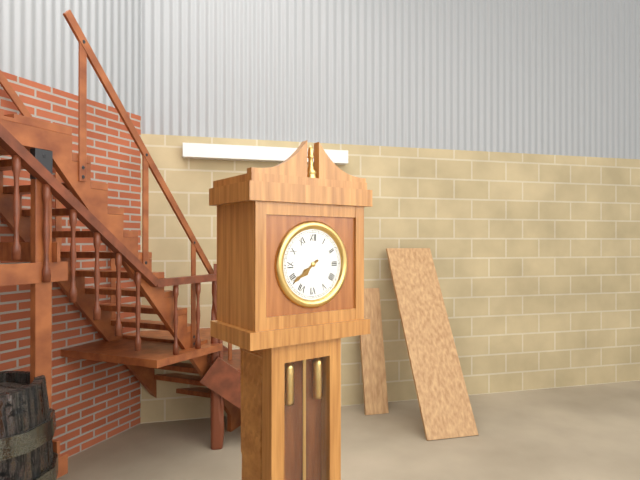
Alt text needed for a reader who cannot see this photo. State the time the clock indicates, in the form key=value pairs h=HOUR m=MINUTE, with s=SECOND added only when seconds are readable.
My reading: h=7 m=39
